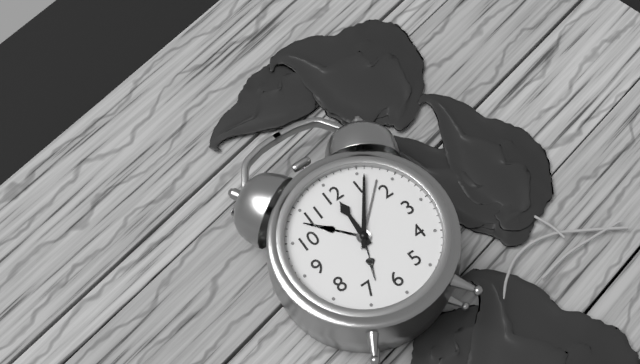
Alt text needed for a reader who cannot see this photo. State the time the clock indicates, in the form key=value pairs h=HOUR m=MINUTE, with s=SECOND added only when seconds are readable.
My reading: h=12 m=6
